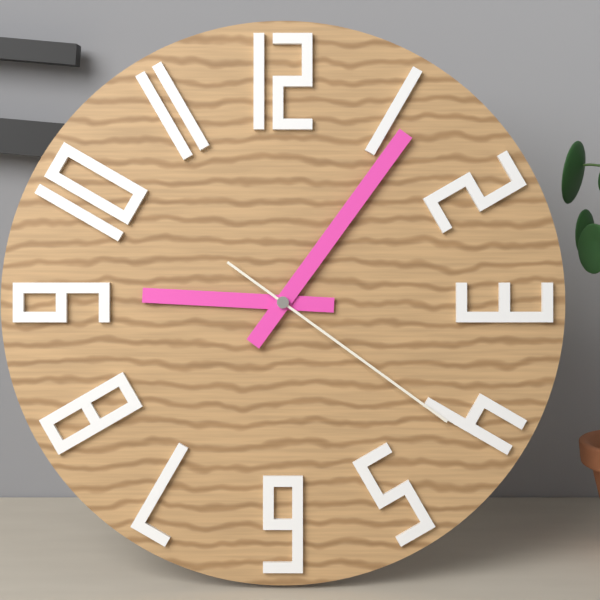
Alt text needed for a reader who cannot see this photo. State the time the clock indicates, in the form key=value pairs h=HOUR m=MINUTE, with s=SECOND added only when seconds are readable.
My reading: h=9 m=6 s=21
